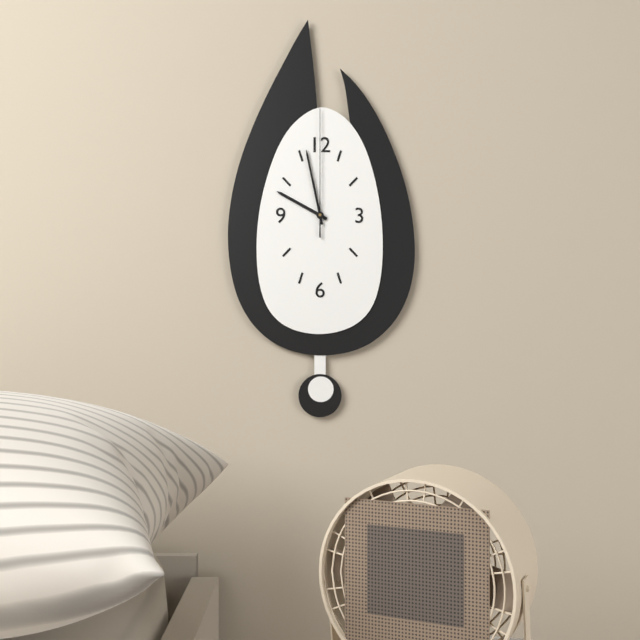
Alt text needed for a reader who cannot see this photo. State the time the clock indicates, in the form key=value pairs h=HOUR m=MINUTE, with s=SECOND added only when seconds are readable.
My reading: h=9 m=58 s=0
